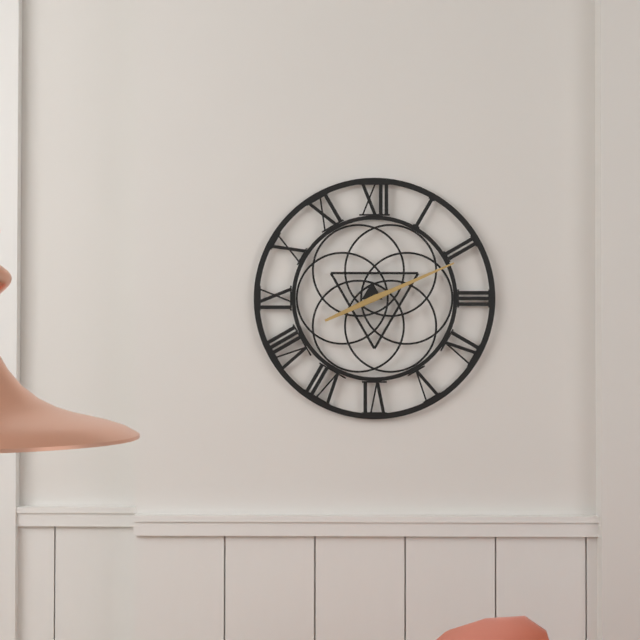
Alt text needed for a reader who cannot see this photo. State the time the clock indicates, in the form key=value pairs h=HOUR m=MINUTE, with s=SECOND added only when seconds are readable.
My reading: h=8 m=11
